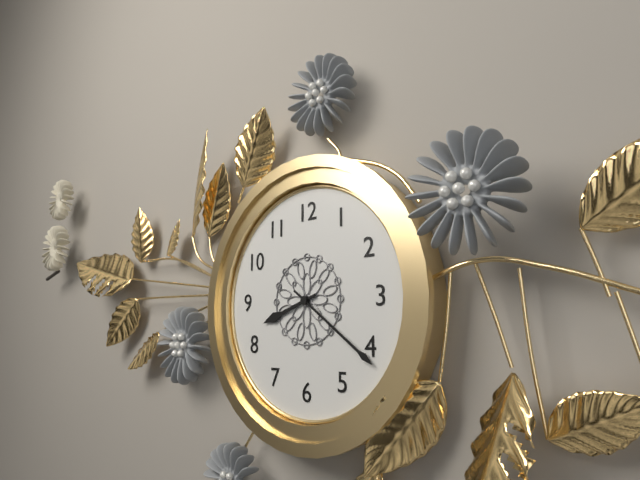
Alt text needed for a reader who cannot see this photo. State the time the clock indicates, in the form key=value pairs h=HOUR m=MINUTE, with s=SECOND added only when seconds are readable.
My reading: h=8 m=21
